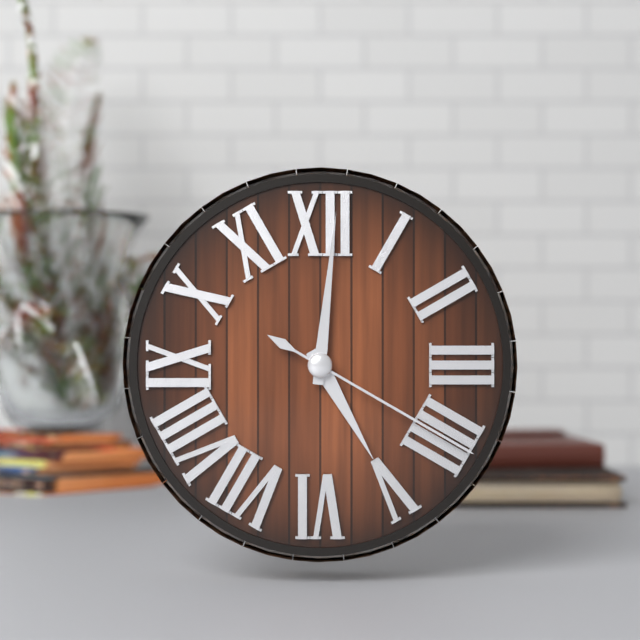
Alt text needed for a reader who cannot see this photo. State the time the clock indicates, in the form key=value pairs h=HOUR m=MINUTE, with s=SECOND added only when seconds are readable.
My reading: h=5 m=1 s=20
